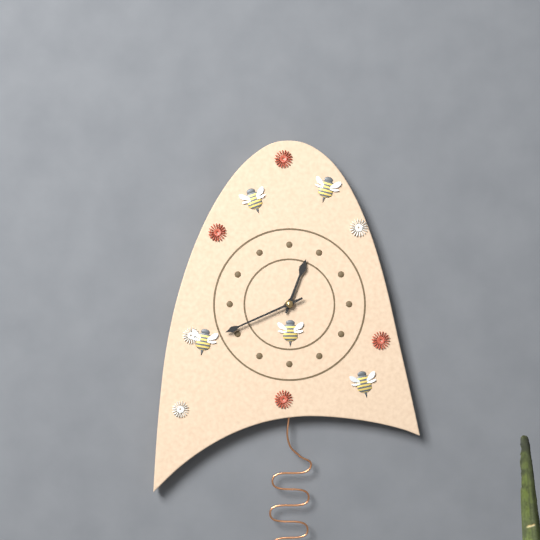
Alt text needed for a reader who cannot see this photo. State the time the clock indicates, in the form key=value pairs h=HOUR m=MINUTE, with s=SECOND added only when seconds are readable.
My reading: h=12 m=41
